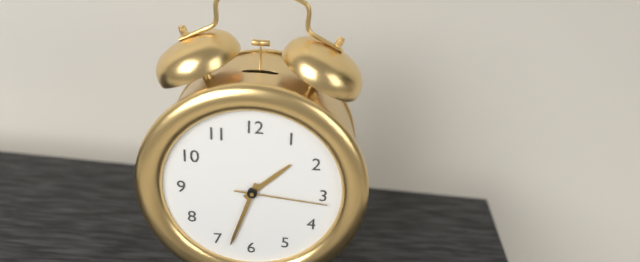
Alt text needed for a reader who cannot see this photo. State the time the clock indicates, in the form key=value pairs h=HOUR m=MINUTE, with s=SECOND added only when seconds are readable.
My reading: h=1 m=33 s=16
